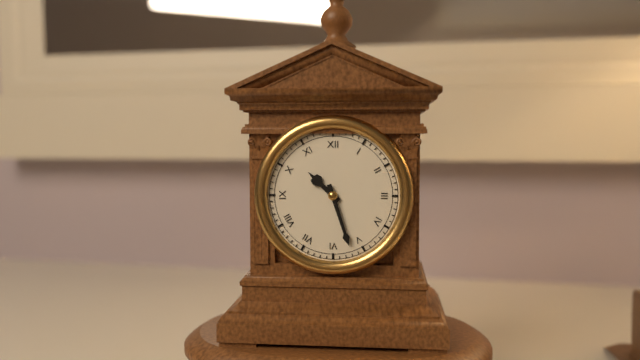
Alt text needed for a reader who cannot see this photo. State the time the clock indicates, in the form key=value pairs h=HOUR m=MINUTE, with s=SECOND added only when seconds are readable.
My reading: h=10 m=27
